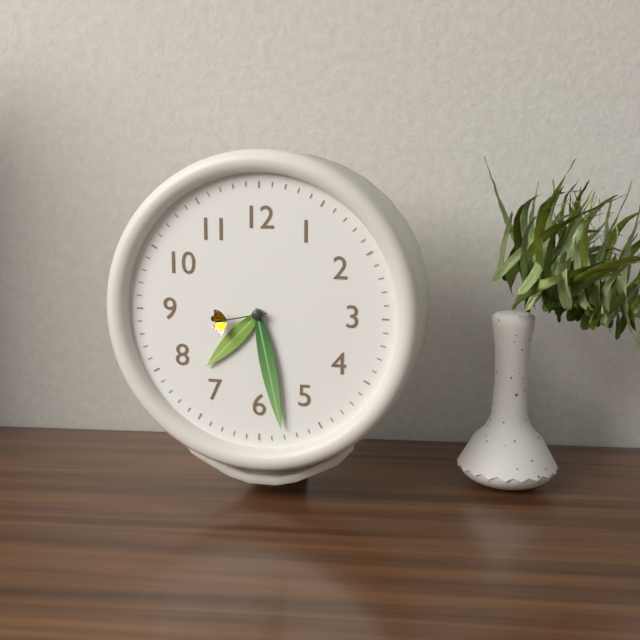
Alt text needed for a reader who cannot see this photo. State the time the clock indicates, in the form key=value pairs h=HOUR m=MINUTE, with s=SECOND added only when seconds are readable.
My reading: h=7 m=28 s=43
